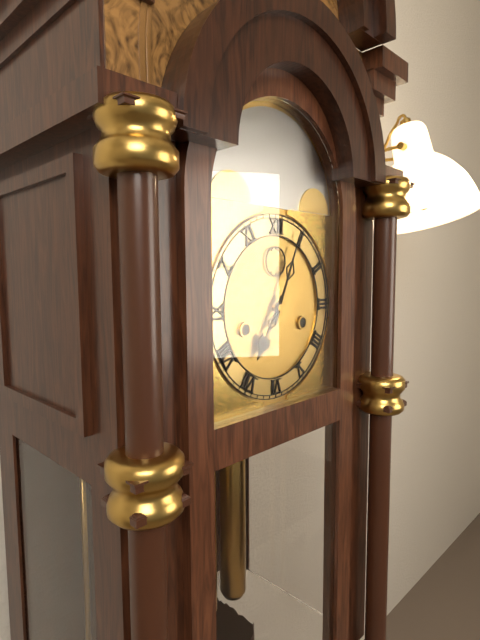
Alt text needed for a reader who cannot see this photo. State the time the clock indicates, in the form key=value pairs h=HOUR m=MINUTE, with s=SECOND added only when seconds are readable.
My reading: h=7 m=4
